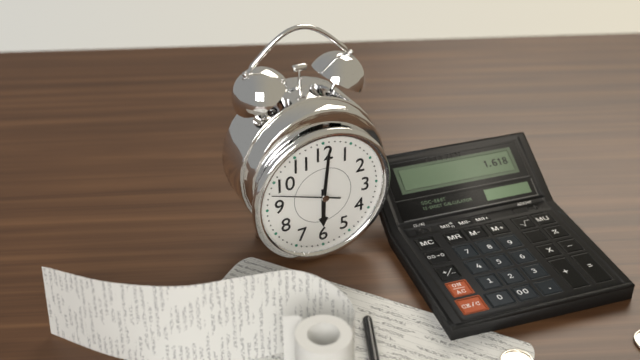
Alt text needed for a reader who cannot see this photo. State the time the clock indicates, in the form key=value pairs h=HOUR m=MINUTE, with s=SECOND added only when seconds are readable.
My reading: h=6 m=1 s=48
